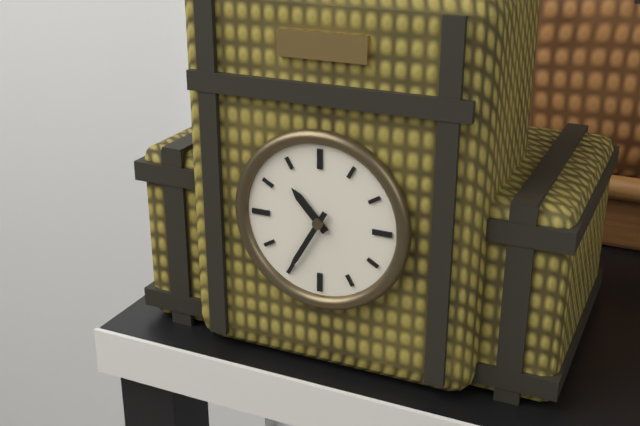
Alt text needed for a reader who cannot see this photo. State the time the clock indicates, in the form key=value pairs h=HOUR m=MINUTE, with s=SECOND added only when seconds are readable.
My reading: h=10 m=35
